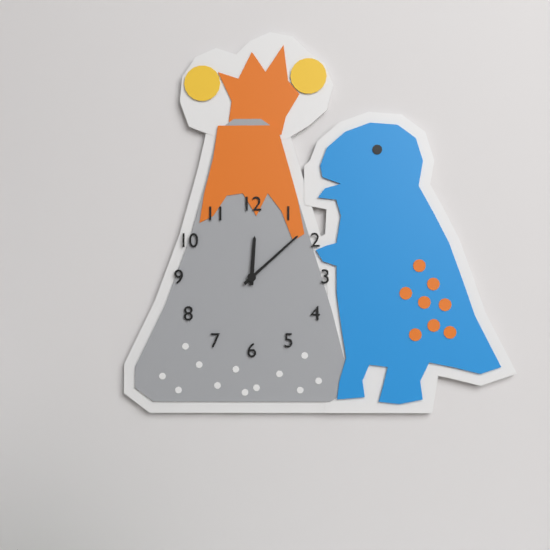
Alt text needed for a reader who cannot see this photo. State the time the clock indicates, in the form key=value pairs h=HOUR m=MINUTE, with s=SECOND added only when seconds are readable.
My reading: h=12 m=8
